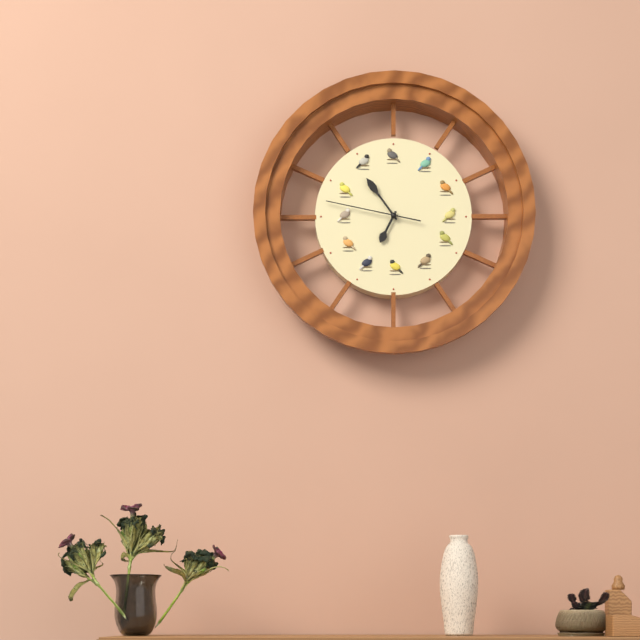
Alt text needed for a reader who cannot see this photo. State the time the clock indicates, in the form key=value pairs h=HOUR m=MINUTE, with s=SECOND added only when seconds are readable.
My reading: h=6 m=54 s=47
